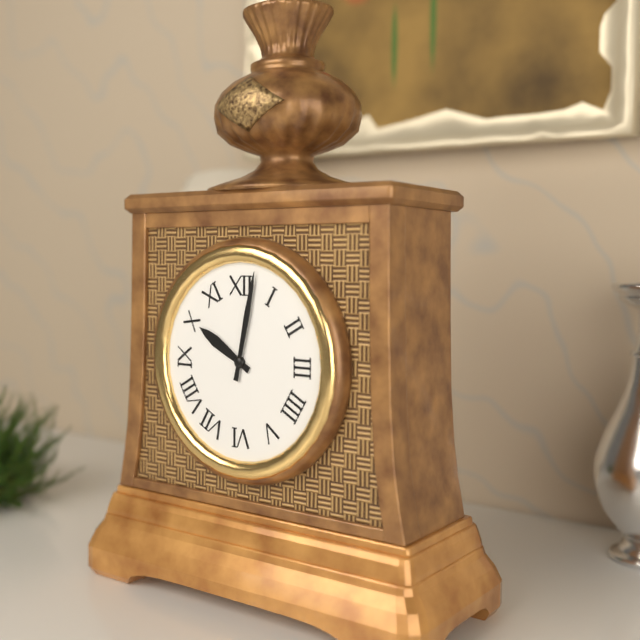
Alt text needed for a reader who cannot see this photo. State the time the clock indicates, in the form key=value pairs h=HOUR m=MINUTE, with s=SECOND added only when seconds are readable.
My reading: h=10 m=2
